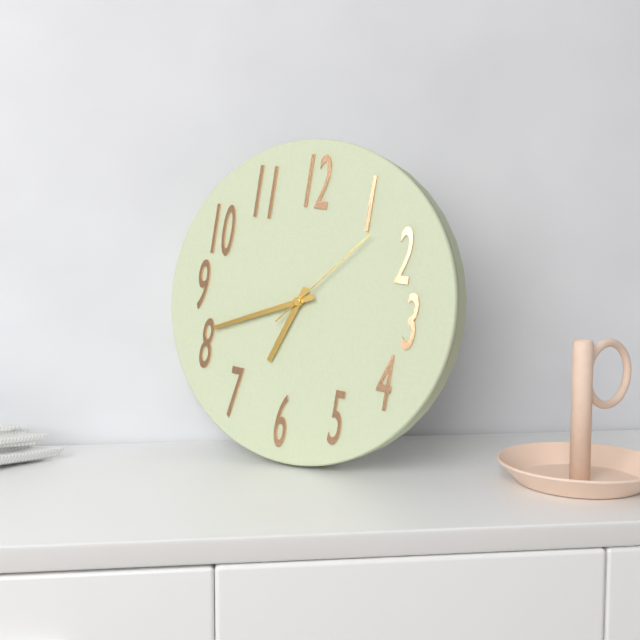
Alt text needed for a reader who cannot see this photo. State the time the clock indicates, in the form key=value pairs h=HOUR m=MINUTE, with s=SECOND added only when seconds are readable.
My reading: h=6 m=41 s=7
